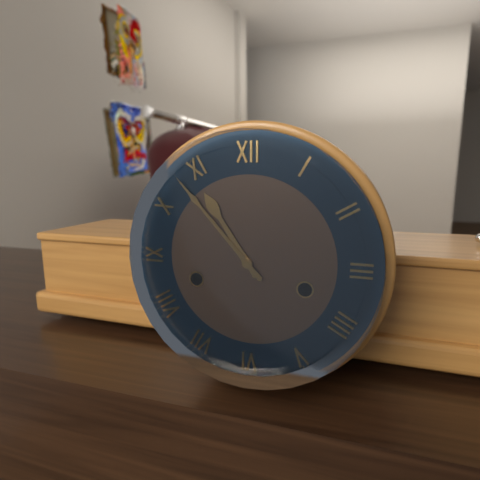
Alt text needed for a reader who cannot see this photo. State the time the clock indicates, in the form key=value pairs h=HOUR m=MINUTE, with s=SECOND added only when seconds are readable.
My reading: h=10 m=53
